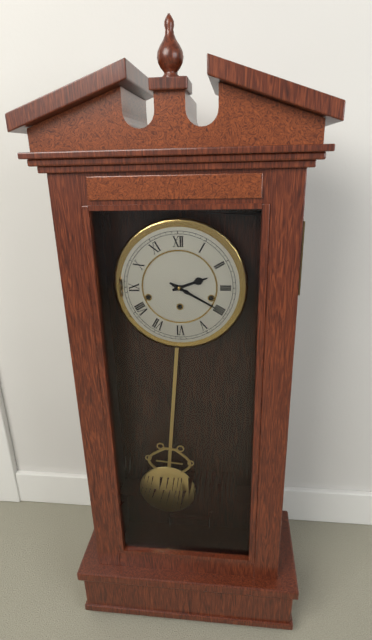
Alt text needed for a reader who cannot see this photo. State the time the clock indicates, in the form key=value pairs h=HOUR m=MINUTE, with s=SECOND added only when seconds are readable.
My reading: h=2 m=20
